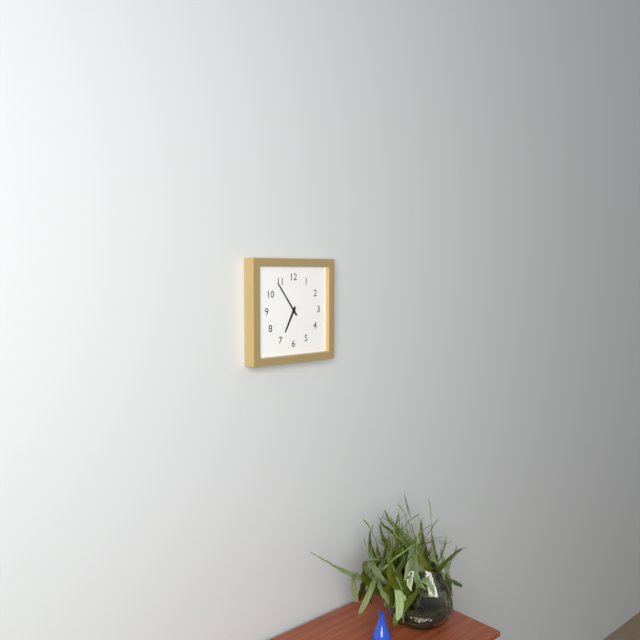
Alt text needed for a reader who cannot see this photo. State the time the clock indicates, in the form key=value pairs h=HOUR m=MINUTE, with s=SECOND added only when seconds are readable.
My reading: h=6 m=54
